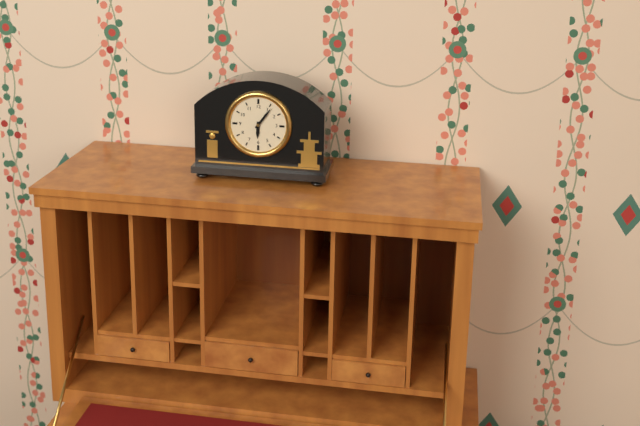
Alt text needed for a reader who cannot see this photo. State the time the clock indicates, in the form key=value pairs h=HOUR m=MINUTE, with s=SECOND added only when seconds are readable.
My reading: h=6 m=6
